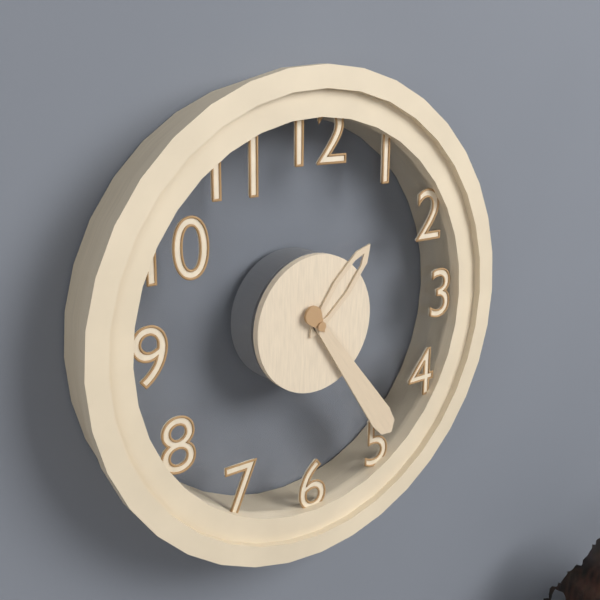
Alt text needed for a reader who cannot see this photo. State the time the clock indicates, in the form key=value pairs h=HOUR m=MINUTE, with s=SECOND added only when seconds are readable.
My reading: h=1 m=24
